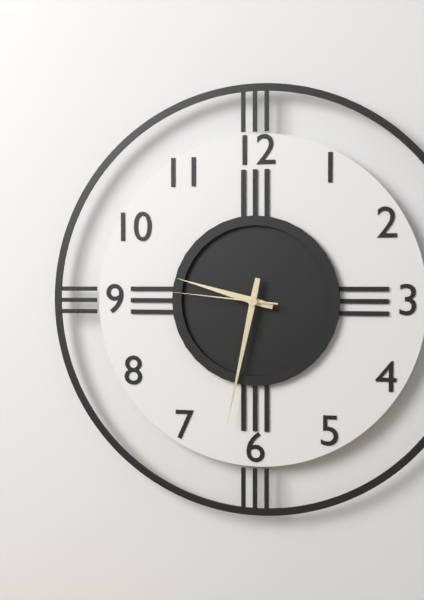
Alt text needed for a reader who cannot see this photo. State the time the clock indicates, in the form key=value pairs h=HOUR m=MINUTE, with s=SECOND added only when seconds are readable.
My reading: h=9 m=32 s=46
